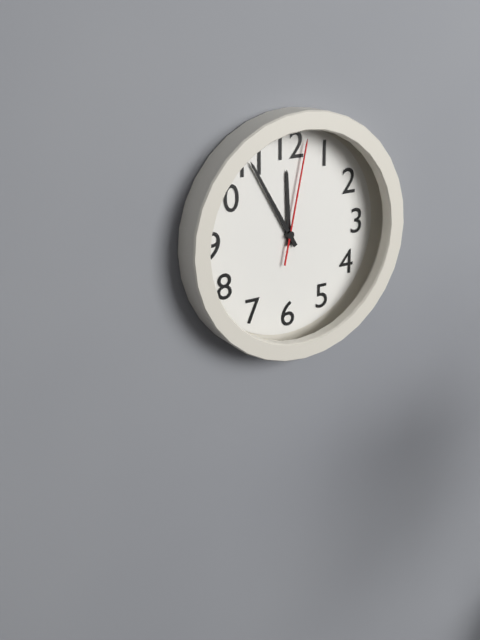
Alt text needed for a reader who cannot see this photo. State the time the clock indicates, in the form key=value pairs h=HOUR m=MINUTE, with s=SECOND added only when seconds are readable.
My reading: h=11 m=55 s=2
